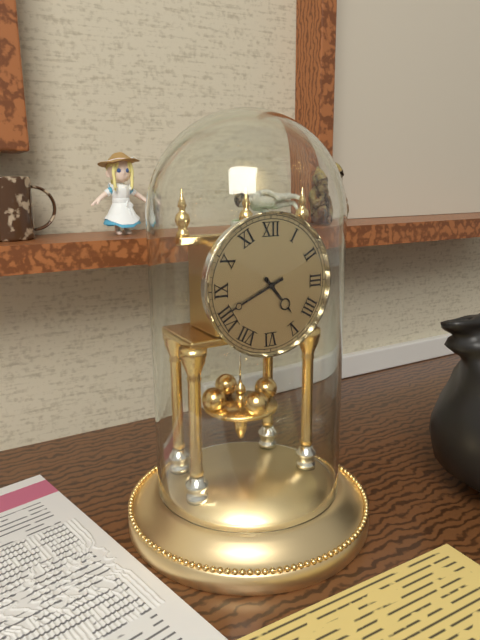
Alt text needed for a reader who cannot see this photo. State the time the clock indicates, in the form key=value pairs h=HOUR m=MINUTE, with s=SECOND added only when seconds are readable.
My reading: h=4 m=41
